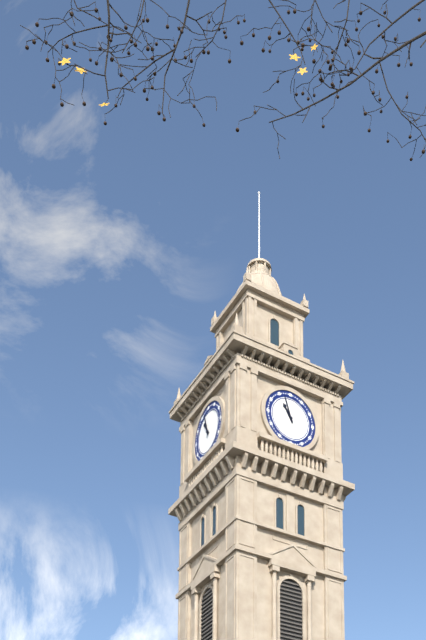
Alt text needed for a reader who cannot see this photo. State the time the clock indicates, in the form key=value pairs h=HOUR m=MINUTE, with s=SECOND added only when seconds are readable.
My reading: h=10 m=57
